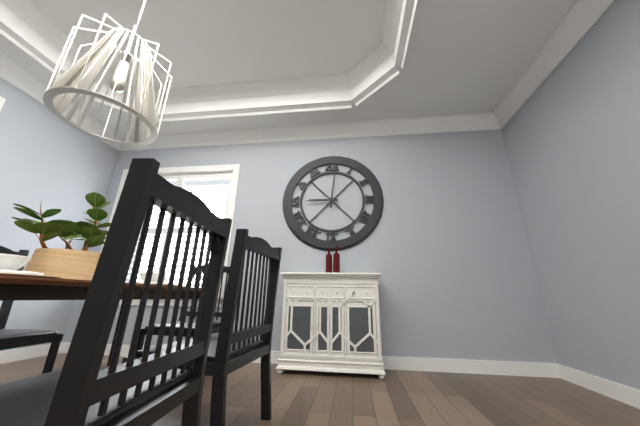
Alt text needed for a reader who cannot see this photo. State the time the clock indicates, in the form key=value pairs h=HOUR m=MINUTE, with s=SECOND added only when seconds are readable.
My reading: h=9 m=1
